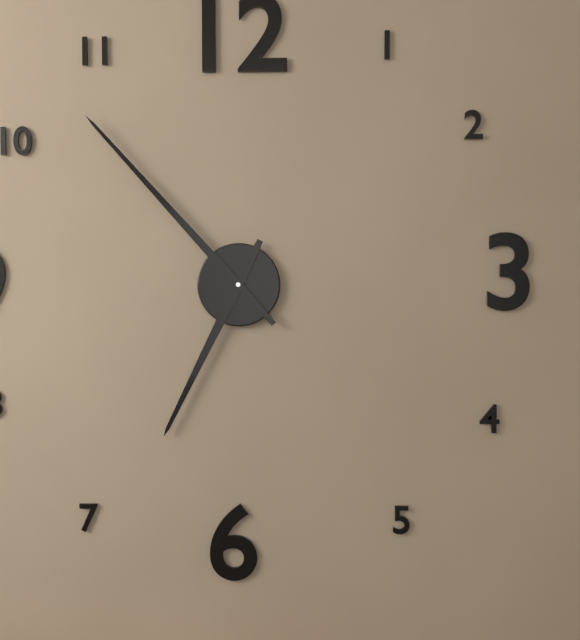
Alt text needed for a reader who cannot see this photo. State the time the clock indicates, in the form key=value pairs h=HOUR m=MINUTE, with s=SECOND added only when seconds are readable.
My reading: h=6 m=53
